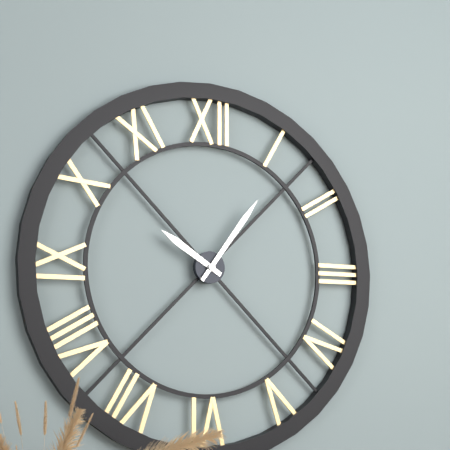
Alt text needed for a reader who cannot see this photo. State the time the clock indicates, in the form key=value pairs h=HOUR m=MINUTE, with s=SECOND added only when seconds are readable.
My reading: h=10 m=6
